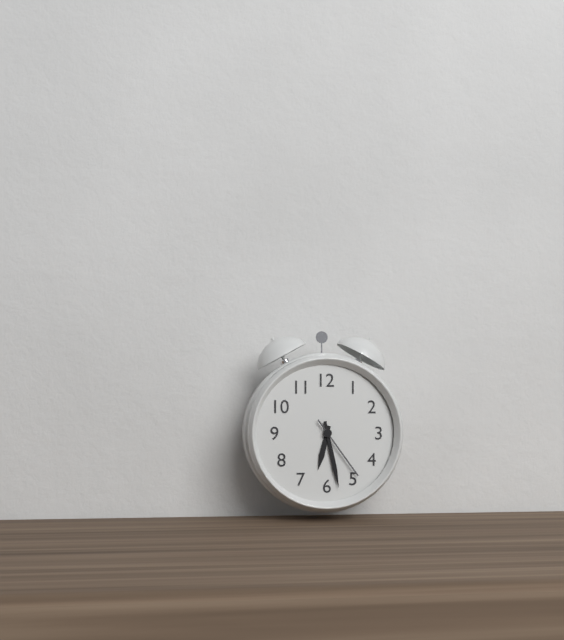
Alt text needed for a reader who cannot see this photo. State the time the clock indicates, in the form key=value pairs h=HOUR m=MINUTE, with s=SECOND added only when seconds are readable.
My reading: h=6 m=28 s=24
